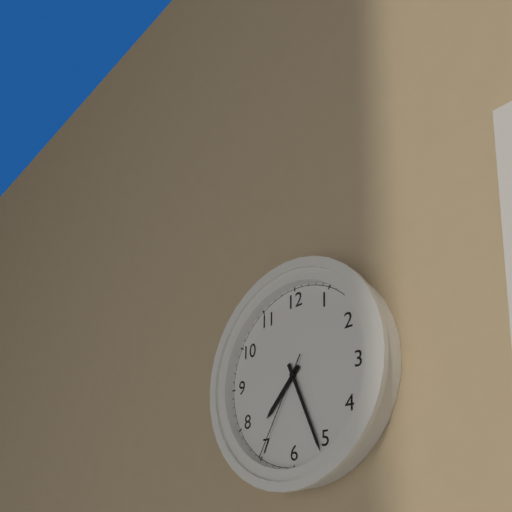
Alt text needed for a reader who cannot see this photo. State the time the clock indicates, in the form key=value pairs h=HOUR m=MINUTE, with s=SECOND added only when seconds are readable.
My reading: h=7 m=26 s=35
